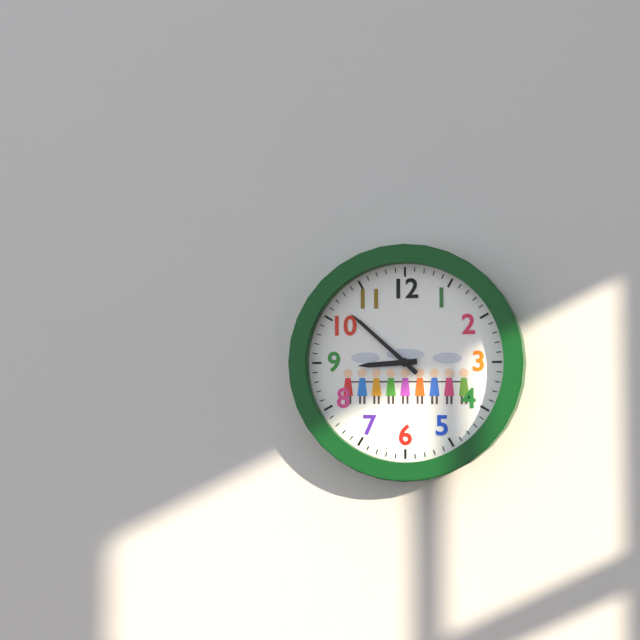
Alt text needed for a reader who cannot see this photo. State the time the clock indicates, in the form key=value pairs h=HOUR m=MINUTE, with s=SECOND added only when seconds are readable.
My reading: h=8 m=52
